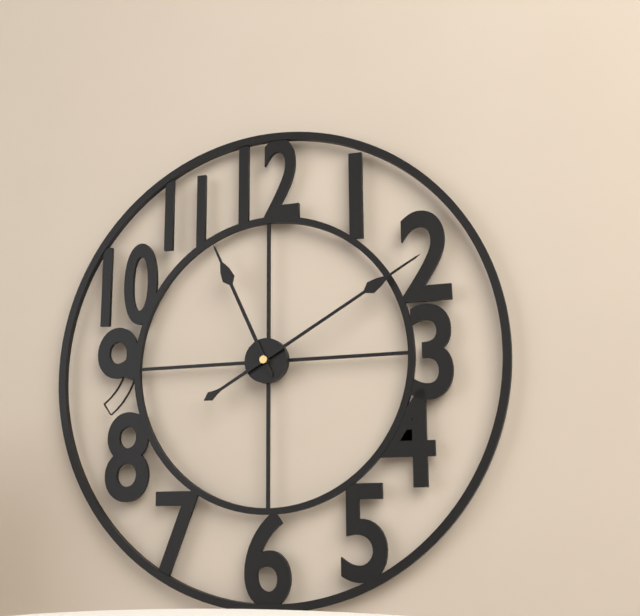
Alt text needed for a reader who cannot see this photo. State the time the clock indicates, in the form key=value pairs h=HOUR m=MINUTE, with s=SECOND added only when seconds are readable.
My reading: h=11 m=10
